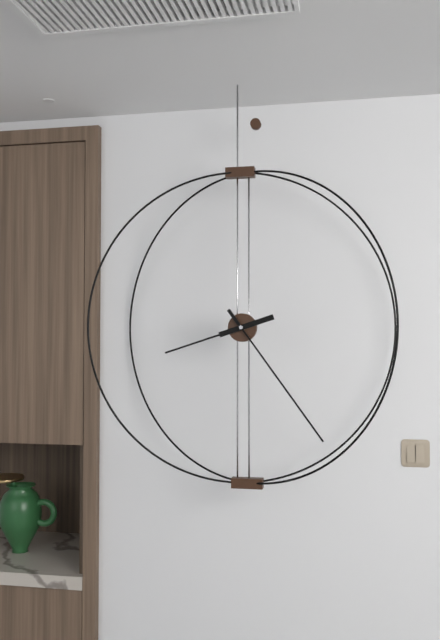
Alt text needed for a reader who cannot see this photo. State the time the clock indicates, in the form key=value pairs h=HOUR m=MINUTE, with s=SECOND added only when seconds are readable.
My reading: h=8 m=24
